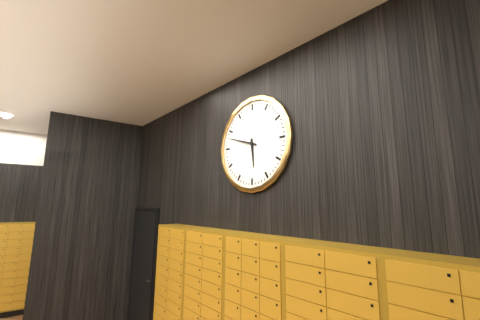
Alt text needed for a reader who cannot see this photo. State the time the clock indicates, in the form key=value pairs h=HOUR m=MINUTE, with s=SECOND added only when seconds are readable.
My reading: h=5 m=48
